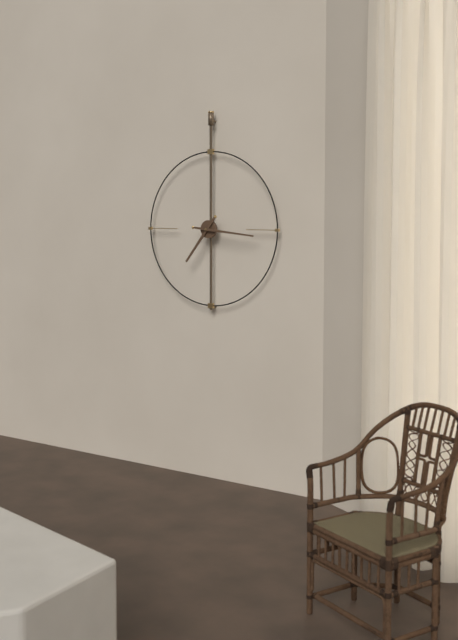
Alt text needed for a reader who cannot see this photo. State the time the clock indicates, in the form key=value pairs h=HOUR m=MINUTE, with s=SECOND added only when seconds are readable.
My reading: h=7 m=16
